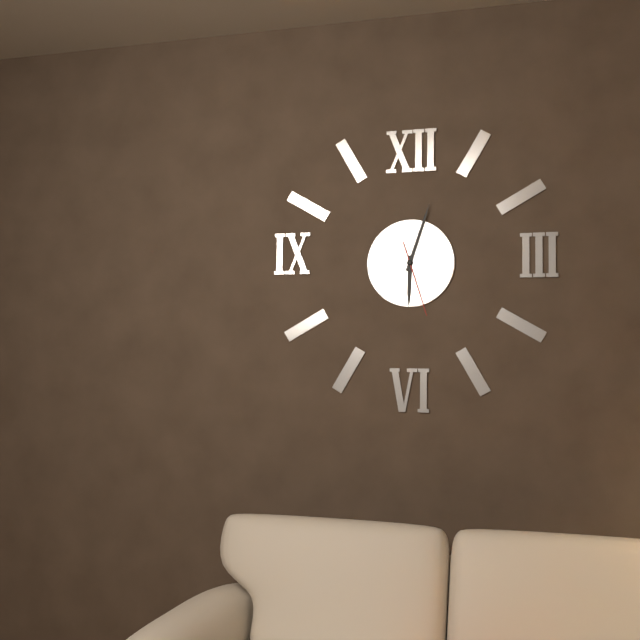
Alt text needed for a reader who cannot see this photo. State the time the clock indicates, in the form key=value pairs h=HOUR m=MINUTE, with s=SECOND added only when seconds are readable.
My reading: h=6 m=3 s=27
